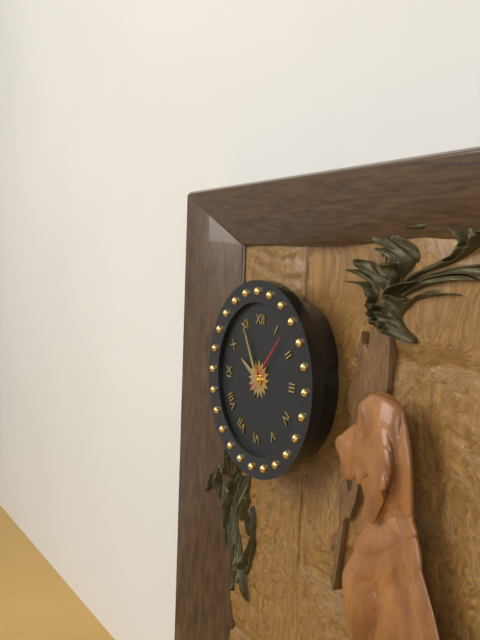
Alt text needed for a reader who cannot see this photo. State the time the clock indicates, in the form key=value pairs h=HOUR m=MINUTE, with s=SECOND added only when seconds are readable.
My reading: h=9 m=55 s=7
